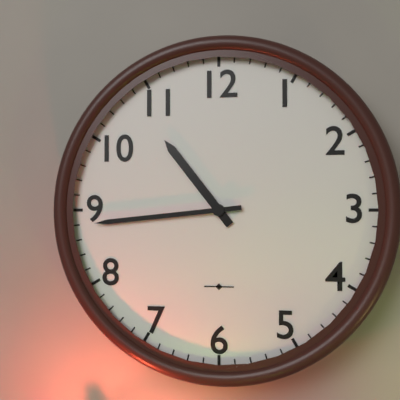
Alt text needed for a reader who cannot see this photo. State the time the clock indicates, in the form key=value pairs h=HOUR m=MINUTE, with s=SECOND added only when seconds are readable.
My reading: h=10 m=44
